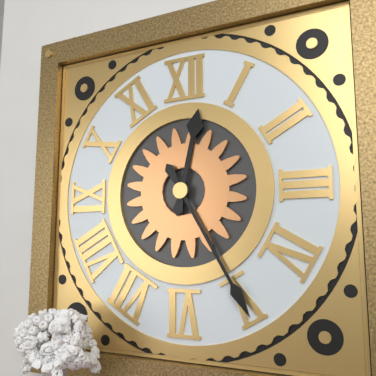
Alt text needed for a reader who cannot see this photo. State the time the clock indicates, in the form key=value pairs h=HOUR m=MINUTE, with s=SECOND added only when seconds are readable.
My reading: h=12 m=25
